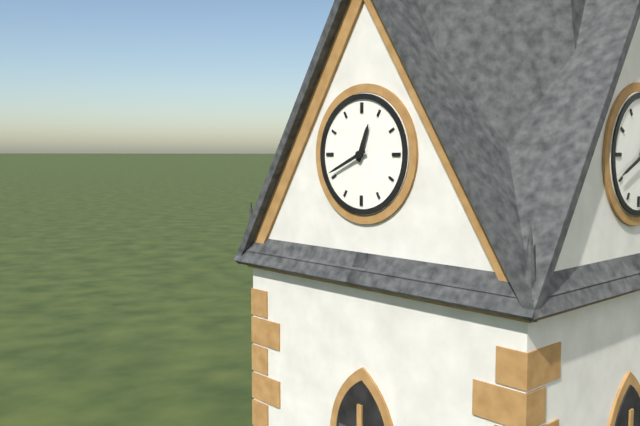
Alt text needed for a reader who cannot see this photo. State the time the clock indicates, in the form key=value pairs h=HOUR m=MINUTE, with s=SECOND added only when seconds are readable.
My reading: h=12 m=41
